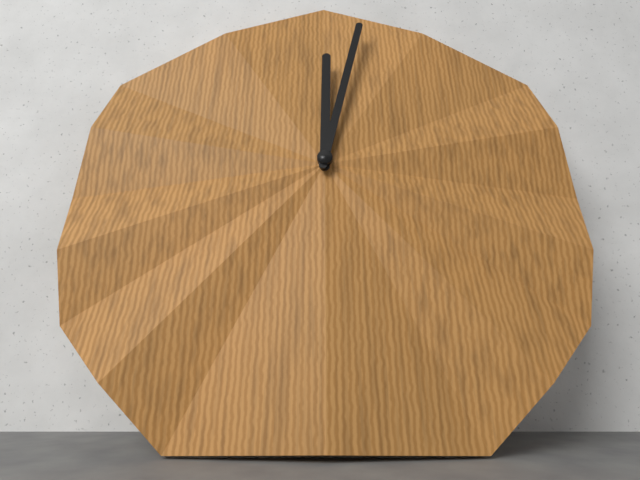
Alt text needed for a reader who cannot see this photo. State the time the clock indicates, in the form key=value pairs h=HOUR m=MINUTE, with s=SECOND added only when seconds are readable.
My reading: h=12 m=2
